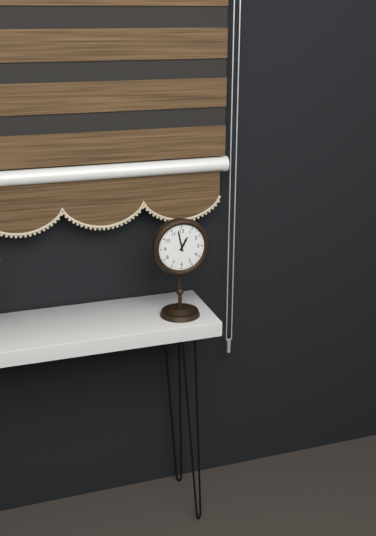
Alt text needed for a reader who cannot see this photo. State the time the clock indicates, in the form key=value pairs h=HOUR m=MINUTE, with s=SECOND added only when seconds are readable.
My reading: h=12 m=58
